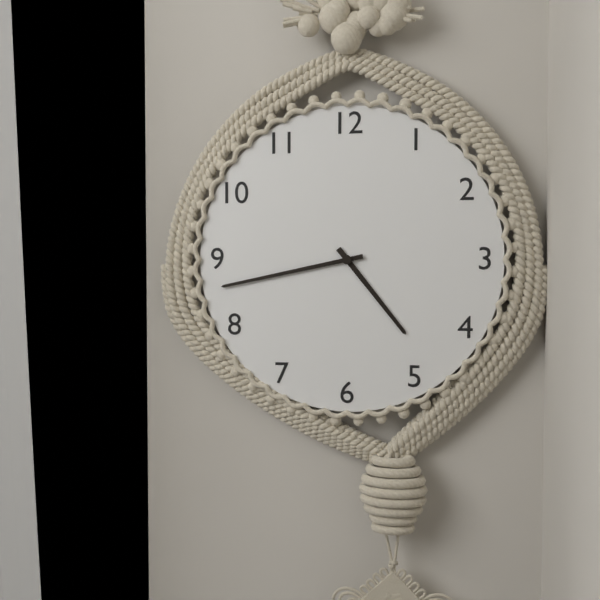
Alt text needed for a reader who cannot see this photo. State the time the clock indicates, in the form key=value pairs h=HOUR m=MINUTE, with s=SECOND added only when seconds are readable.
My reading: h=4 m=43
